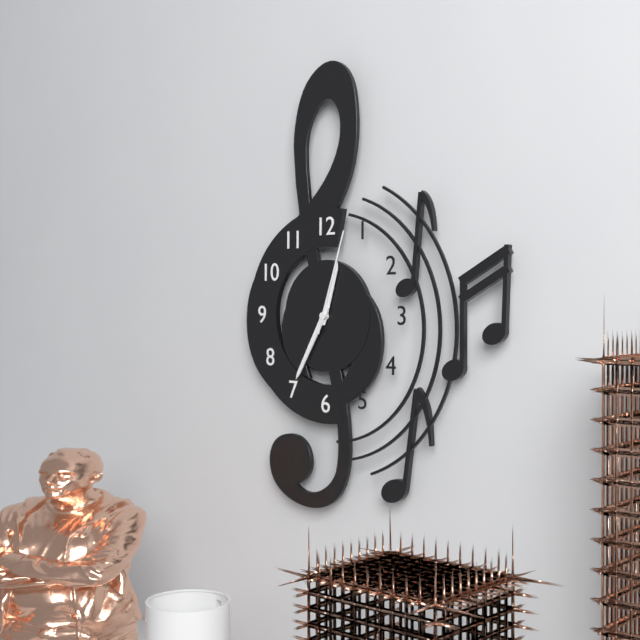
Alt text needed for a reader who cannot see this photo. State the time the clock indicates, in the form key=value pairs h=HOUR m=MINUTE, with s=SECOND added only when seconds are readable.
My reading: h=12 m=35 s=3
